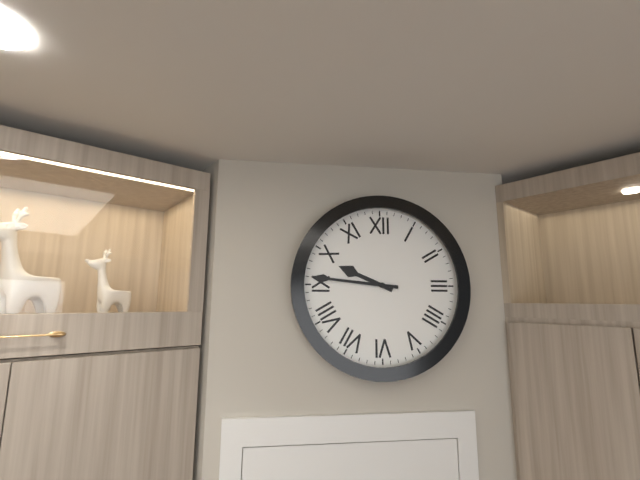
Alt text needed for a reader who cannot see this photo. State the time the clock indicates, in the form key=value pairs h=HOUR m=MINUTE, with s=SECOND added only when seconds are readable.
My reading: h=9 m=46
